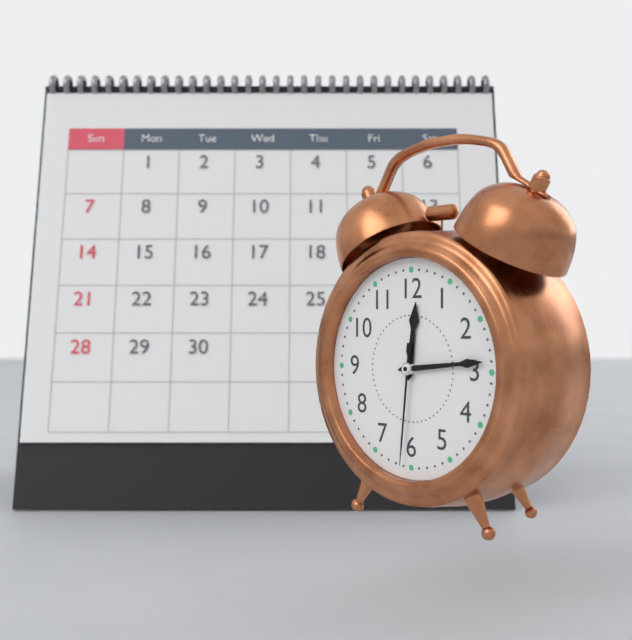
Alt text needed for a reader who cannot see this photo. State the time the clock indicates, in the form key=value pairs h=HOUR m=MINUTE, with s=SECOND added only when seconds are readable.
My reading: h=12 m=14 s=31
